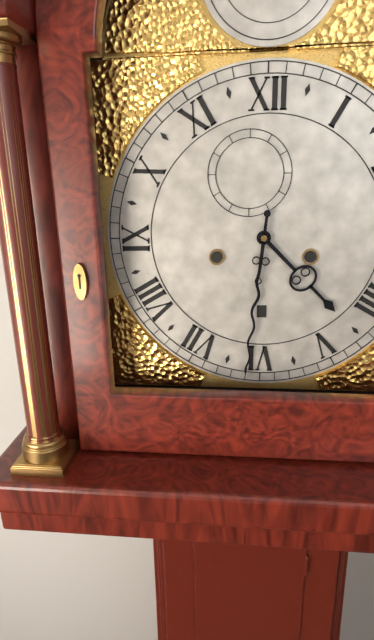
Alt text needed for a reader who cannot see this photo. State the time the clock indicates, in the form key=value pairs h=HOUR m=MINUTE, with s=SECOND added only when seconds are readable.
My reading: h=4 m=31
